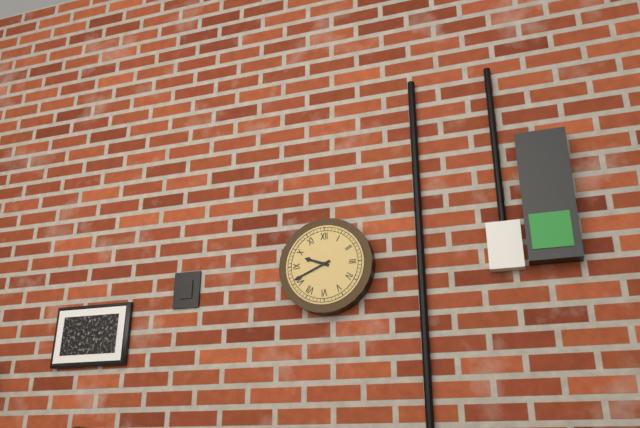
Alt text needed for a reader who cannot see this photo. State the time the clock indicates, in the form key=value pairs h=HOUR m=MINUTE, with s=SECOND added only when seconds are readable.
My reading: h=9 m=41
